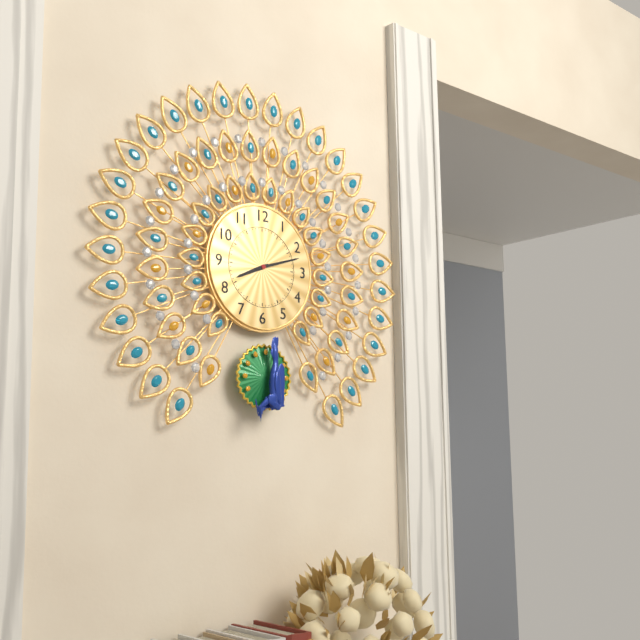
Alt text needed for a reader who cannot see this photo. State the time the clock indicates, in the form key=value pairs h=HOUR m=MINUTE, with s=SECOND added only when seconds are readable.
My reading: h=8 m=12
